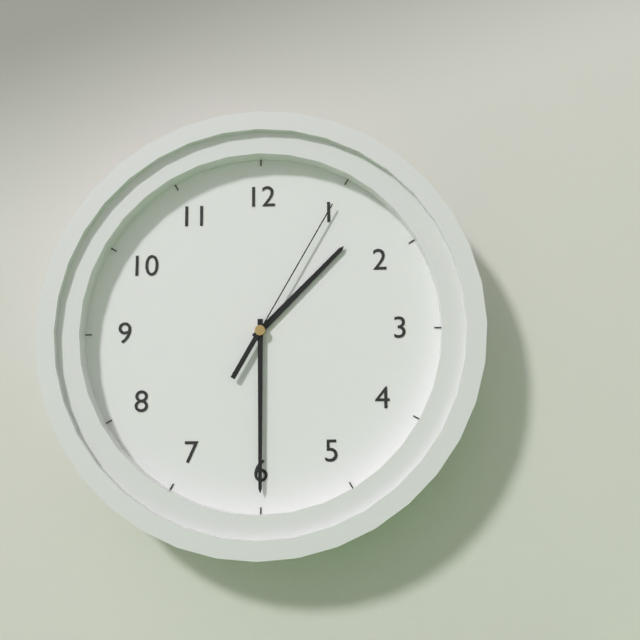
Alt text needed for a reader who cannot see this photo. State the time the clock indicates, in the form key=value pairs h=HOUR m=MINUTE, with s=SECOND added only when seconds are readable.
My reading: h=1 m=30 s=5
